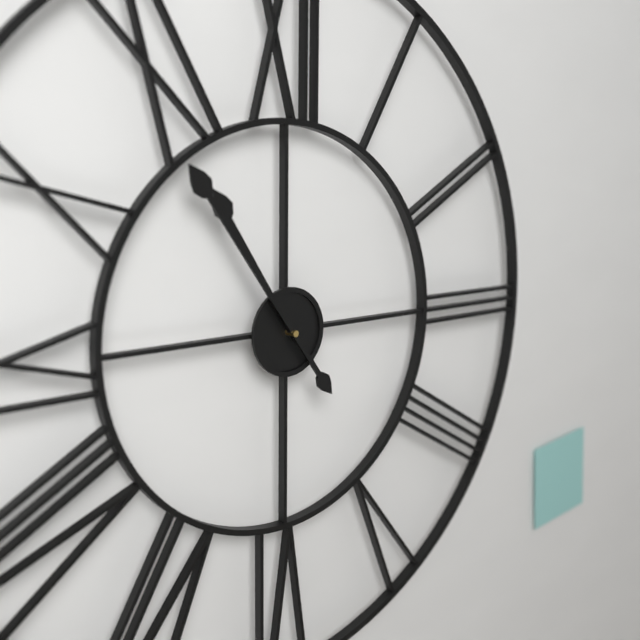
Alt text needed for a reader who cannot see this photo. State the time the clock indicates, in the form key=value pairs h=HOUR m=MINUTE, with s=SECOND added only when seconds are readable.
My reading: h=10 m=54
